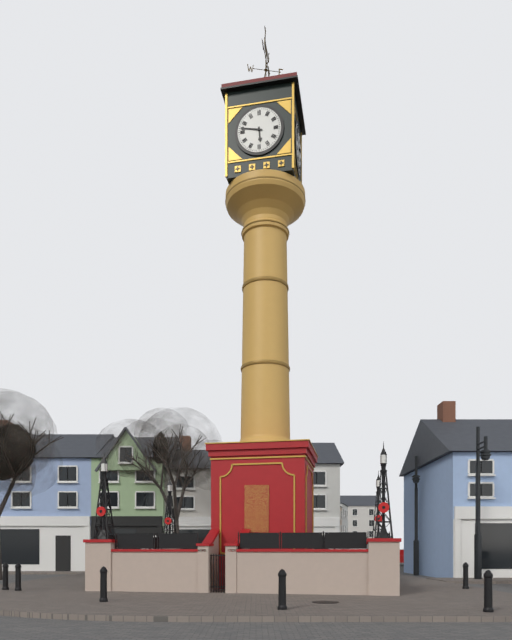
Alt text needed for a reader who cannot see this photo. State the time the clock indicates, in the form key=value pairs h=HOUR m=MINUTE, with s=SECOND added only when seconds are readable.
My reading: h=5 m=47
